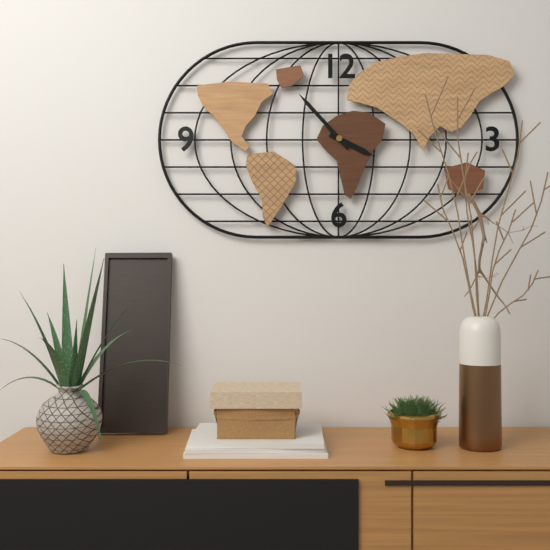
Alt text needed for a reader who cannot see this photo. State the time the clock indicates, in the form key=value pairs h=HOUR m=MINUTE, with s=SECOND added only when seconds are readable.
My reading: h=3 m=53
